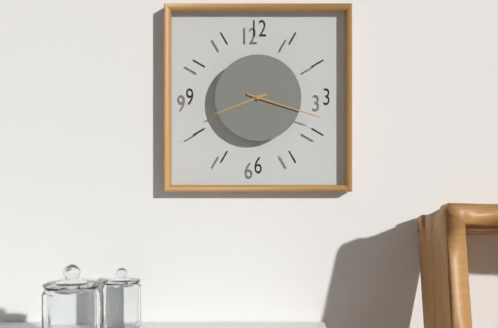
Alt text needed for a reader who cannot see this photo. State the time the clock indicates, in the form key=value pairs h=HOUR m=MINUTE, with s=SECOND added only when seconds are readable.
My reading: h=8 m=18
